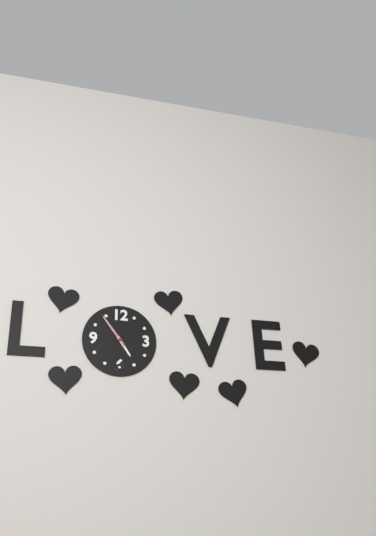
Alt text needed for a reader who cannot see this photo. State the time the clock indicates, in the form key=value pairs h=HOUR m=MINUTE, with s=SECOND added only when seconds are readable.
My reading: h=4 m=54
